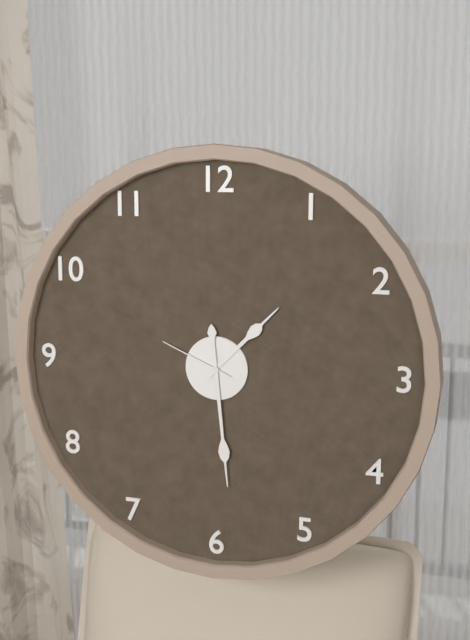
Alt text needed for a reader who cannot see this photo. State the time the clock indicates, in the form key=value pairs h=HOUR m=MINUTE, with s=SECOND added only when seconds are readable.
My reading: h=1 m=29 s=49
